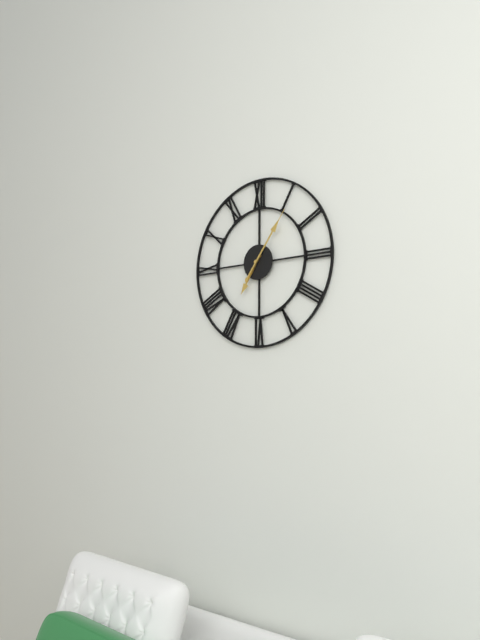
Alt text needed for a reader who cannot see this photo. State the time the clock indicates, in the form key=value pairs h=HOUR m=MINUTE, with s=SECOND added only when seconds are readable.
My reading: h=7 m=6
